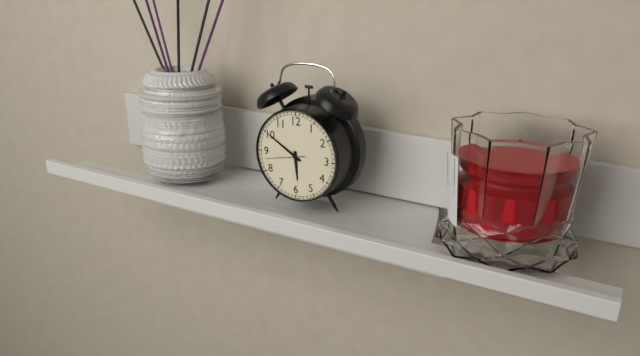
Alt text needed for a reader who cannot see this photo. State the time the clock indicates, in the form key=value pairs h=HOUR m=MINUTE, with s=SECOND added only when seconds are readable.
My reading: h=5 m=50
